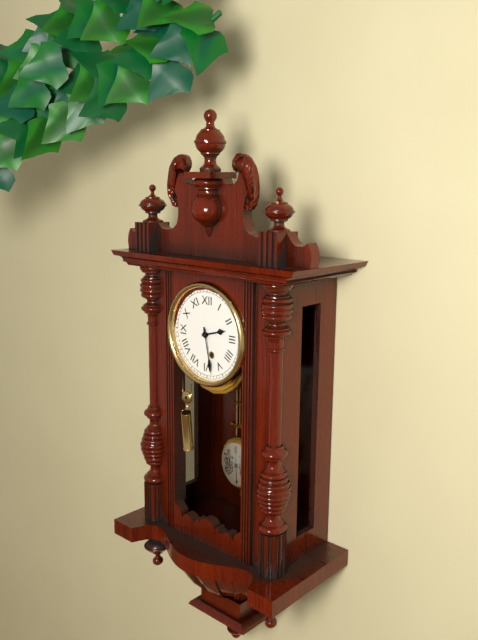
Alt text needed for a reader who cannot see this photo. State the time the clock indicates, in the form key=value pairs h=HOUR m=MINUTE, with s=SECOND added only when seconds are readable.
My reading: h=2 m=28
